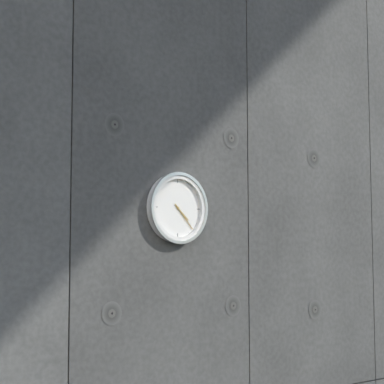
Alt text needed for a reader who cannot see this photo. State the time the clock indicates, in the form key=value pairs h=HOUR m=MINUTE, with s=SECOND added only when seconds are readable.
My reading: h=4 m=23
